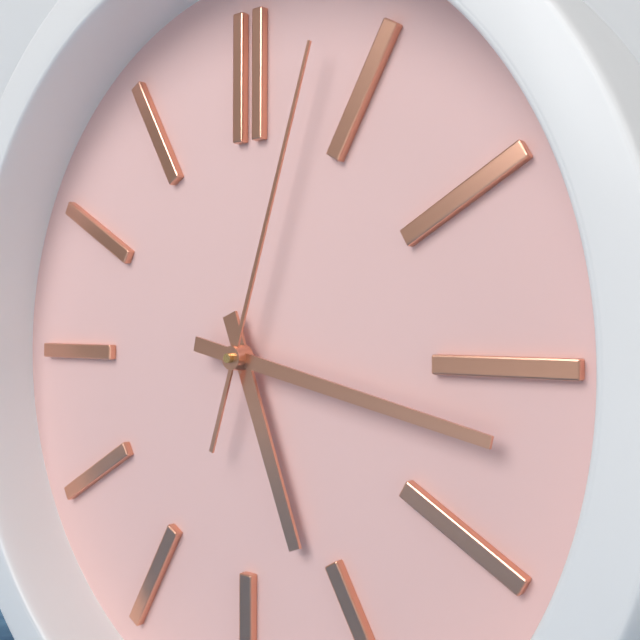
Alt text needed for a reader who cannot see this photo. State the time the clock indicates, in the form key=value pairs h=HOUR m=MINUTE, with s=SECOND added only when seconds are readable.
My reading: h=5 m=17 s=3
